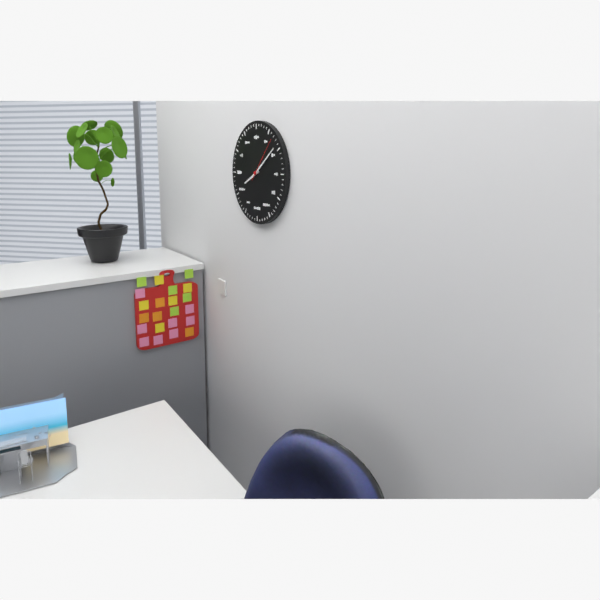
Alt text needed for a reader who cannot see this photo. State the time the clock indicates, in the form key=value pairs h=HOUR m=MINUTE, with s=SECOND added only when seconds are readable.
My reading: h=8 m=9
